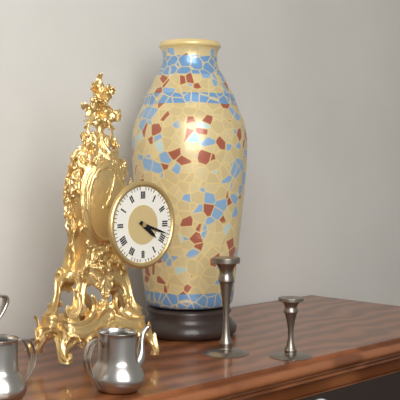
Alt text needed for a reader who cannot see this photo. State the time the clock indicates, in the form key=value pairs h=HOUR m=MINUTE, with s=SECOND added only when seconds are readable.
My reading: h=4 m=18
